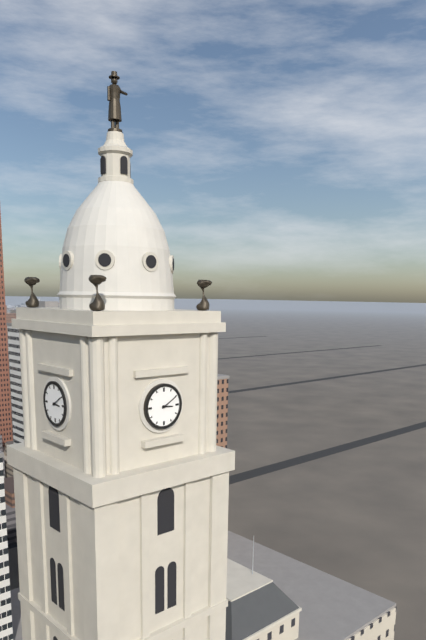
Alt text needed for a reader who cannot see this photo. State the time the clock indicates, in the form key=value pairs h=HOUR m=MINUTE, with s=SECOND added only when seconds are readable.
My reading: h=3 m=10
